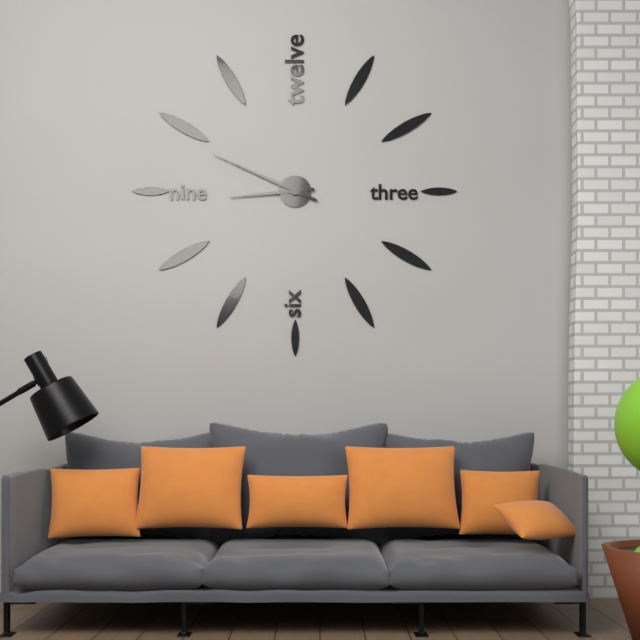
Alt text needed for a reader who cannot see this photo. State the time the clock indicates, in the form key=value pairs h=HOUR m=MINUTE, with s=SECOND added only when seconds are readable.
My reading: h=8 m=49
